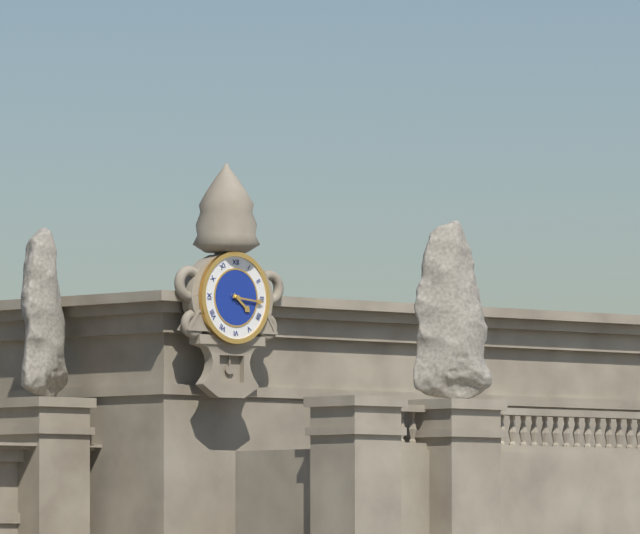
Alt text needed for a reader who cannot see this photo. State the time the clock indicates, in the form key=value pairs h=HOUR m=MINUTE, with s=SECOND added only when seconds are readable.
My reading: h=4 m=16
